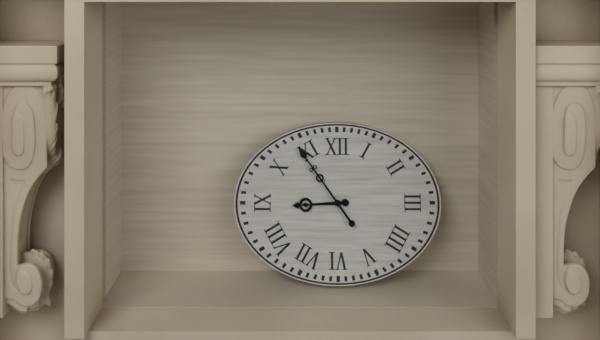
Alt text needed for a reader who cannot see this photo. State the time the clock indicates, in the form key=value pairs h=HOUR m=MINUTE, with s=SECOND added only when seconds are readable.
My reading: h=8 m=54
